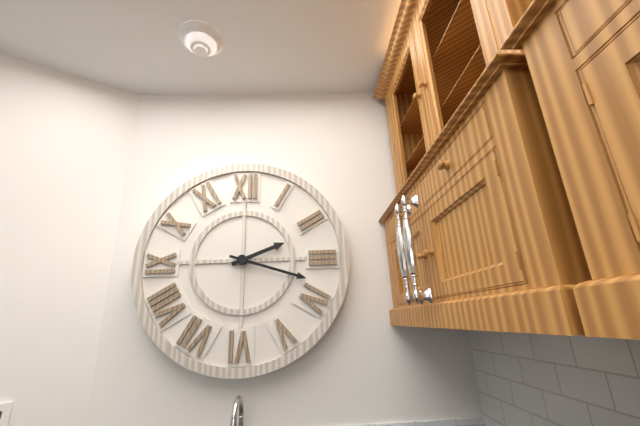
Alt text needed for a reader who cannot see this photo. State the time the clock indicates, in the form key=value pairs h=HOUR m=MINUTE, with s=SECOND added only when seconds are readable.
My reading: h=2 m=18
